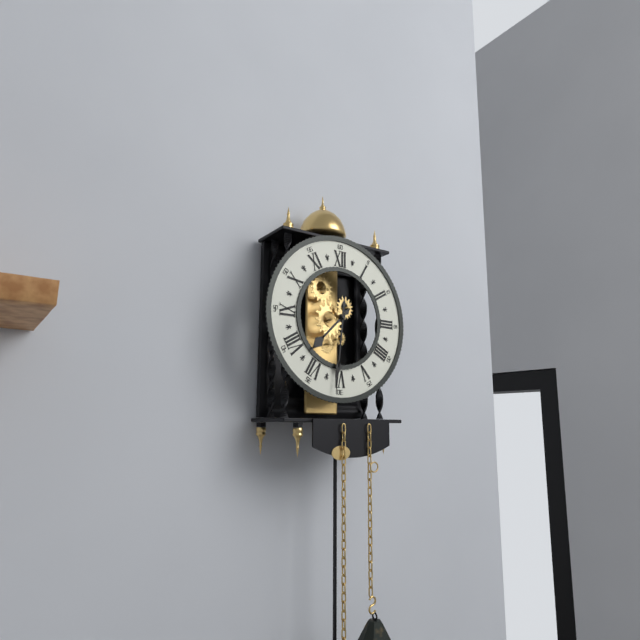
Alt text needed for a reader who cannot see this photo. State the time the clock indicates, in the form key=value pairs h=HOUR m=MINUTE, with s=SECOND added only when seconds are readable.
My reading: h=7 m=31
